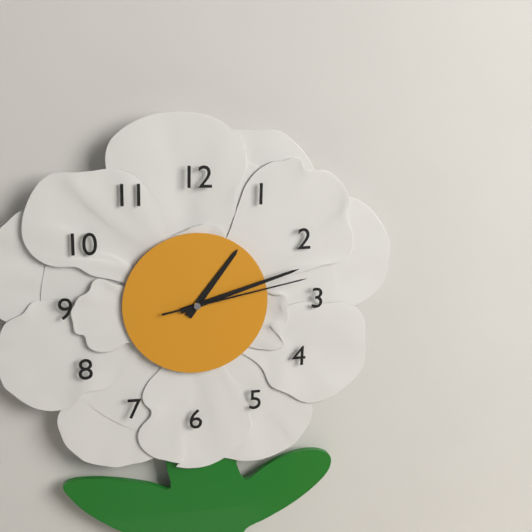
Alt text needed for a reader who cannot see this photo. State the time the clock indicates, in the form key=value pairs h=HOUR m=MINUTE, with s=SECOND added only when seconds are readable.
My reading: h=1 m=12 s=13
